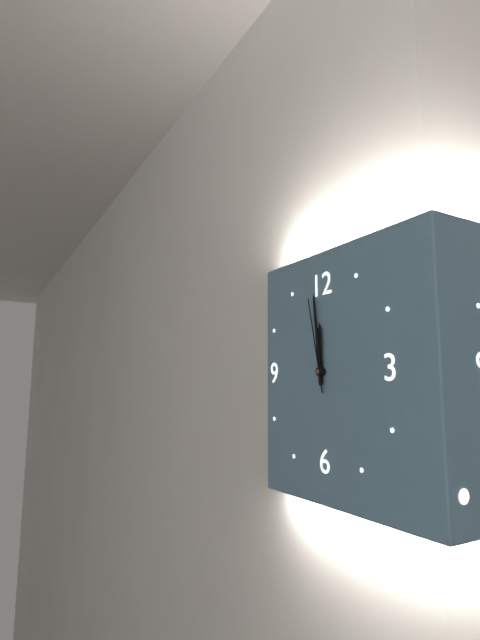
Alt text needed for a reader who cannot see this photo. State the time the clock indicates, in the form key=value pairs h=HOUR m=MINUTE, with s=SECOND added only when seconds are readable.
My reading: h=11 m=59 s=58
